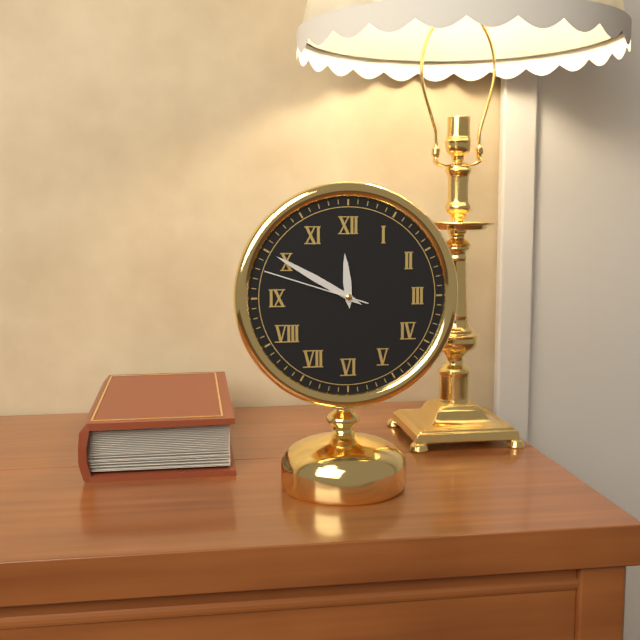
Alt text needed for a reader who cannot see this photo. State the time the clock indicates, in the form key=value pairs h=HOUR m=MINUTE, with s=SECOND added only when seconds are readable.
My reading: h=11 m=50 s=48
